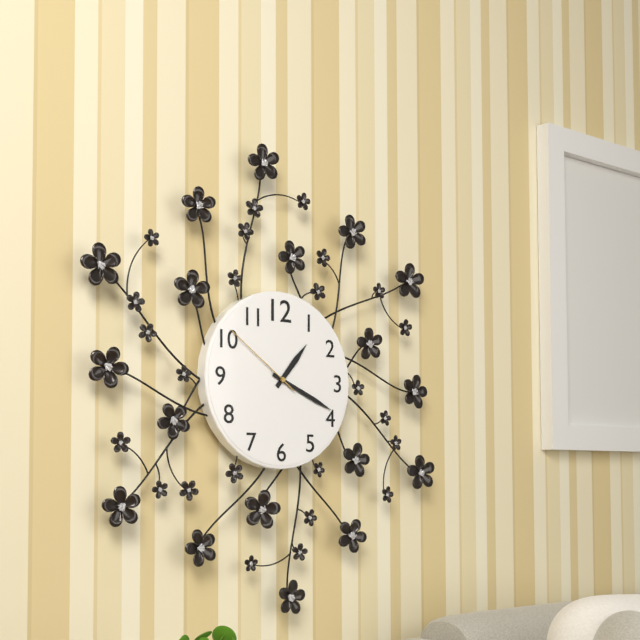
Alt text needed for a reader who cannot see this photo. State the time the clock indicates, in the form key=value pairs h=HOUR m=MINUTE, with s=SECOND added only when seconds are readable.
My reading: h=1 m=19 s=51
